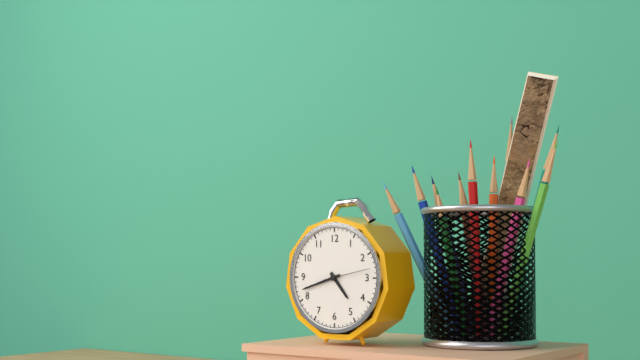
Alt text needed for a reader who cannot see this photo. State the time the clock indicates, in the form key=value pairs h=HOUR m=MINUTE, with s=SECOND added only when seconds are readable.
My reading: h=4 m=42
